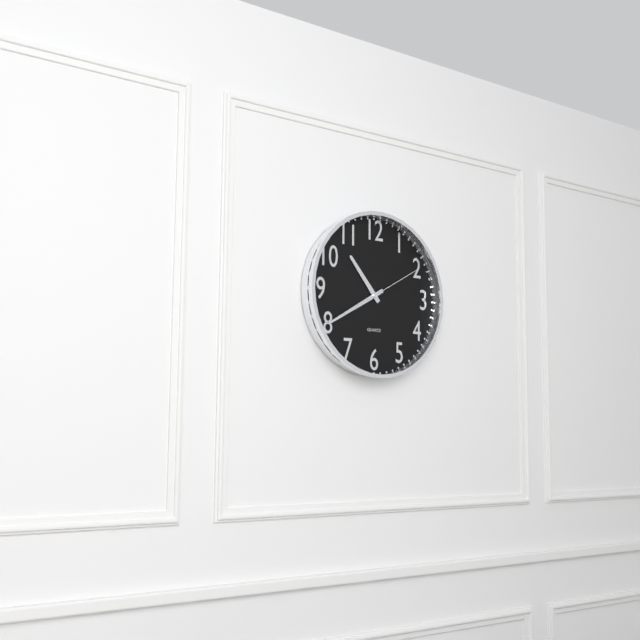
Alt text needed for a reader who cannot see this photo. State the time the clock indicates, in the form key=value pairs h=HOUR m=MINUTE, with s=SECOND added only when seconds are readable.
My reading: h=10 m=40 s=10
